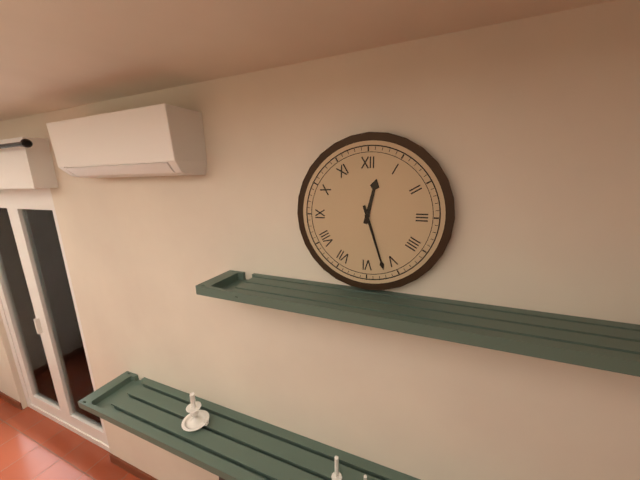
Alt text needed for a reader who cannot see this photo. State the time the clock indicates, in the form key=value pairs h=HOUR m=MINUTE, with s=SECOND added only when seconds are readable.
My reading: h=12 m=27
